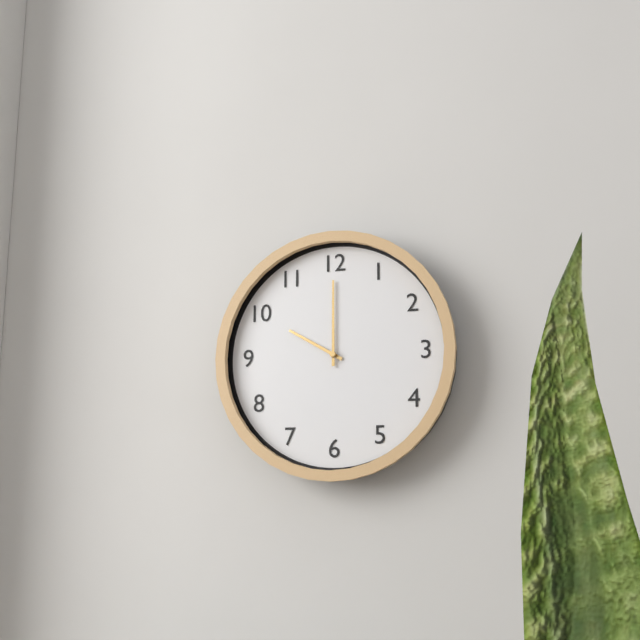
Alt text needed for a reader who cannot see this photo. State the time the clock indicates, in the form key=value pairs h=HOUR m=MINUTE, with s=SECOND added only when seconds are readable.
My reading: h=10 m=0
